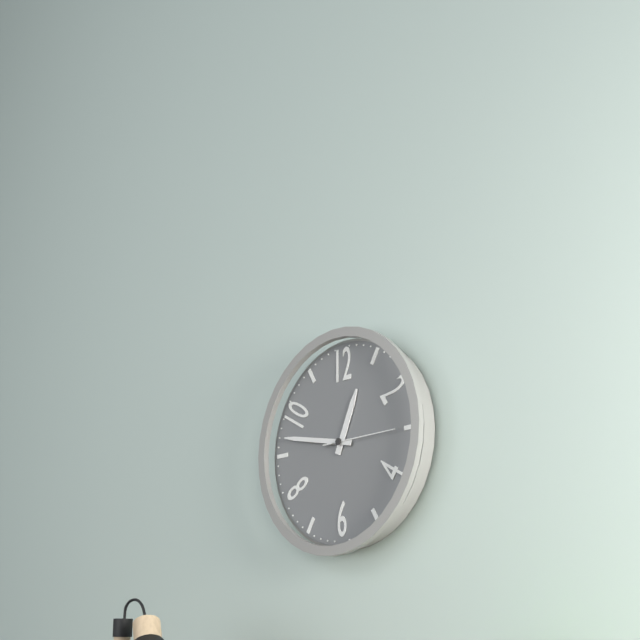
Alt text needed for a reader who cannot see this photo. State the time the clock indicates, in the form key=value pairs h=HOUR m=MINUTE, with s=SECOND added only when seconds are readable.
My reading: h=12 m=47 s=15
